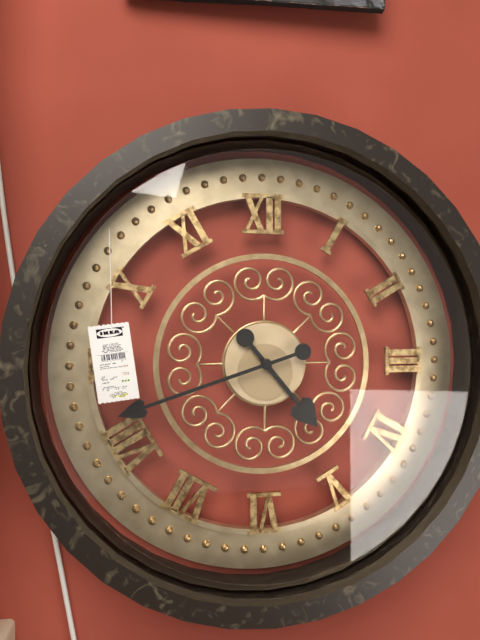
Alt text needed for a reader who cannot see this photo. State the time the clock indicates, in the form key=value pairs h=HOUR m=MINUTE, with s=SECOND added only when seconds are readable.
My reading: h=4 m=42
